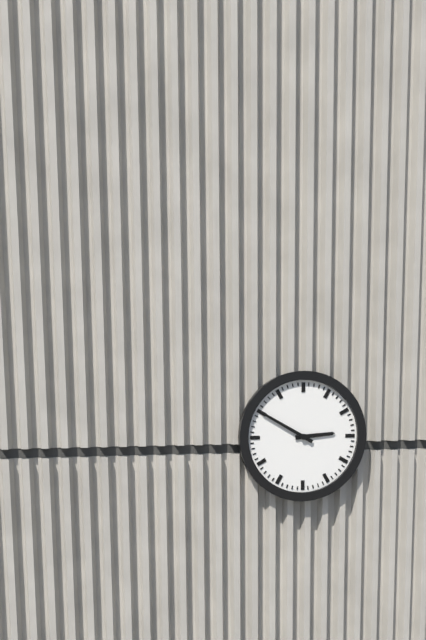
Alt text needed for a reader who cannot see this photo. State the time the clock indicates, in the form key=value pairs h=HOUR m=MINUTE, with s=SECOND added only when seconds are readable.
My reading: h=2 m=50
